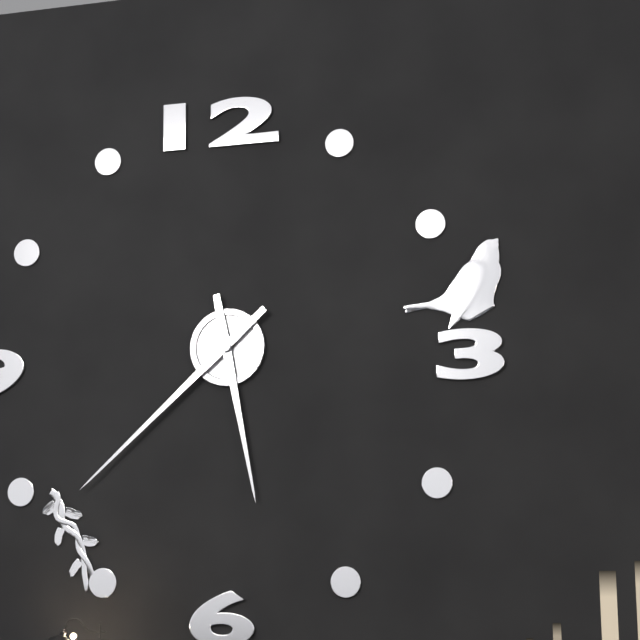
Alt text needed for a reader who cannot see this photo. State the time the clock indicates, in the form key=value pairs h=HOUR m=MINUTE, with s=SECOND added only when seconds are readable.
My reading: h=5 m=38
